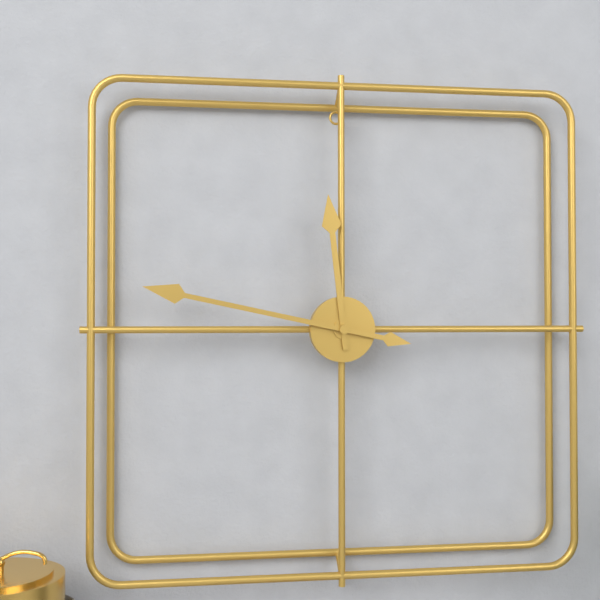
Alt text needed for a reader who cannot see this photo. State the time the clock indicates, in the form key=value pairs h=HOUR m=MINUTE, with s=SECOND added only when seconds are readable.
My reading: h=11 m=47
